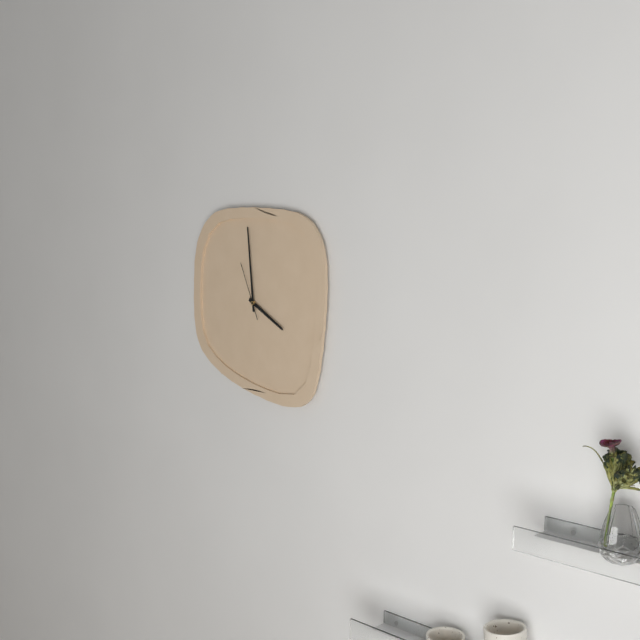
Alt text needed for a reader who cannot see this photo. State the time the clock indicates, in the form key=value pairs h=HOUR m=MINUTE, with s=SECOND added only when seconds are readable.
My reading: h=3 m=59 s=56
